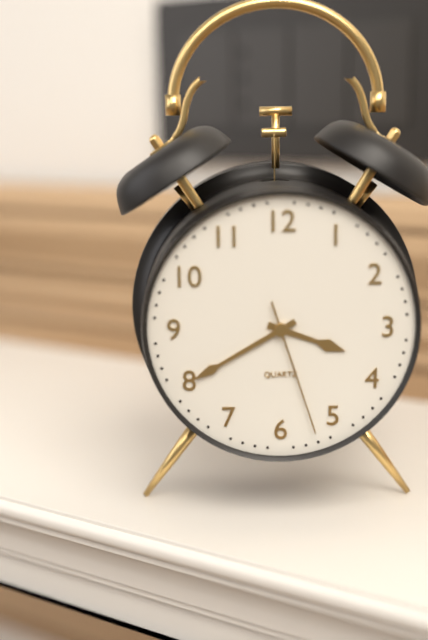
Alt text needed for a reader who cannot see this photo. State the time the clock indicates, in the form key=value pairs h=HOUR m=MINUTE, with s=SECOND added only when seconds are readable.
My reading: h=3 m=40 s=27
